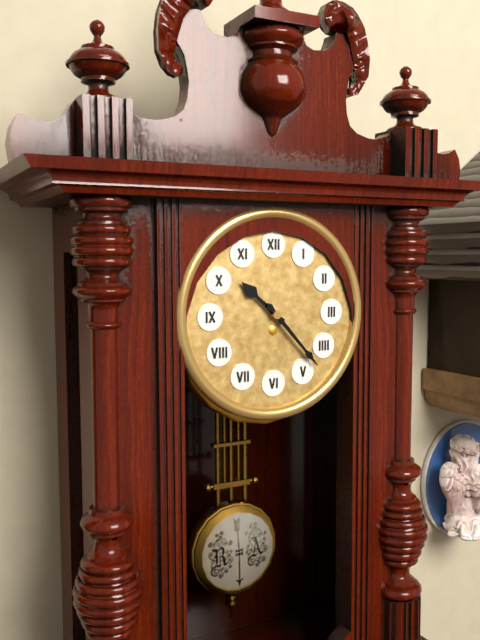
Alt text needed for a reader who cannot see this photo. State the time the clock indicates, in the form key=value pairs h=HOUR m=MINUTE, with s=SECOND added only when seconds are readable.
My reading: h=10 m=23
